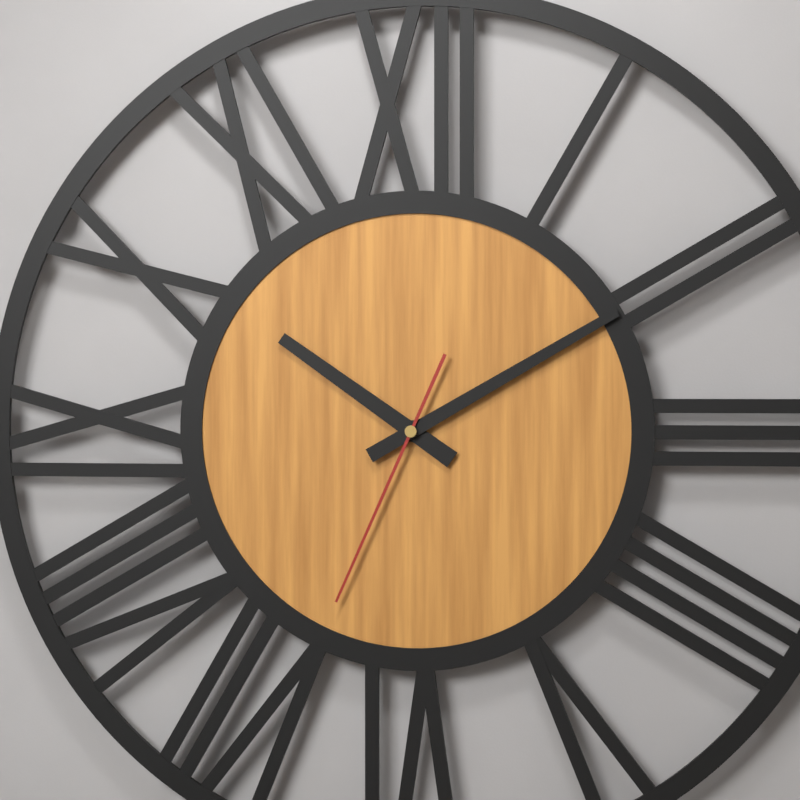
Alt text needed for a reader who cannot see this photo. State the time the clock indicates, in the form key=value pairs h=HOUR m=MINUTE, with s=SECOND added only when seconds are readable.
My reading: h=10 m=10 s=34
